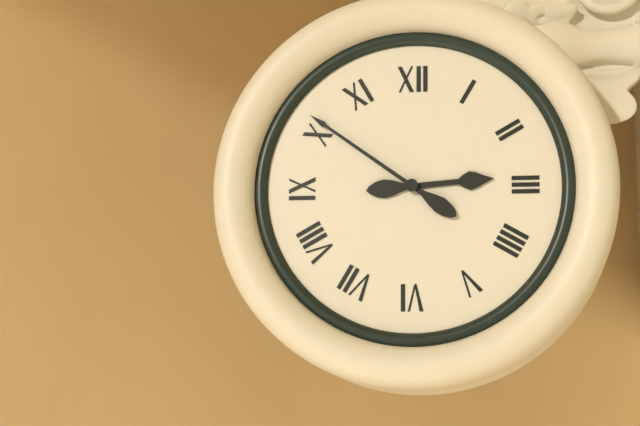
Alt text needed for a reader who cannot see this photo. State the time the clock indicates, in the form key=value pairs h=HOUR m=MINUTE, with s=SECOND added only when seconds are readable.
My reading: h=2 m=51
